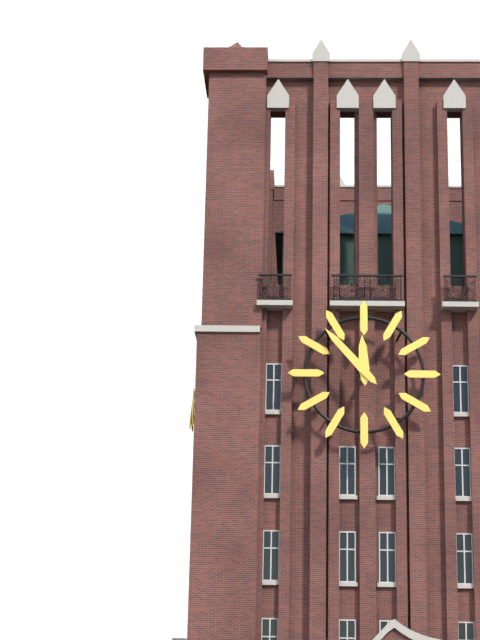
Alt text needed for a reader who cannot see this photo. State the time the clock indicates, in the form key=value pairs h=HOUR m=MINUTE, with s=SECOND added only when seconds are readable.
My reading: h=11 m=53
